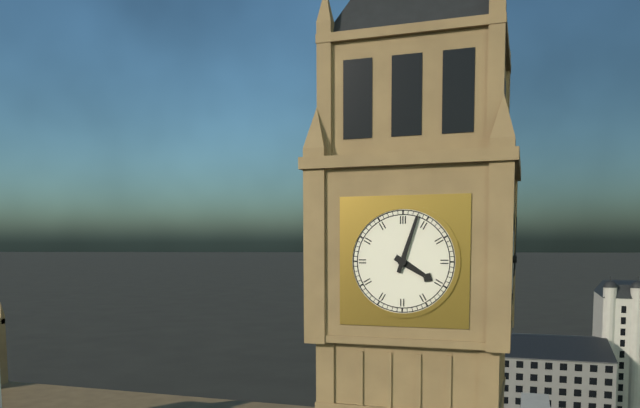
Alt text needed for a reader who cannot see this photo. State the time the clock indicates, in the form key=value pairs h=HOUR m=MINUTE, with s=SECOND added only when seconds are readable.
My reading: h=4 m=3
